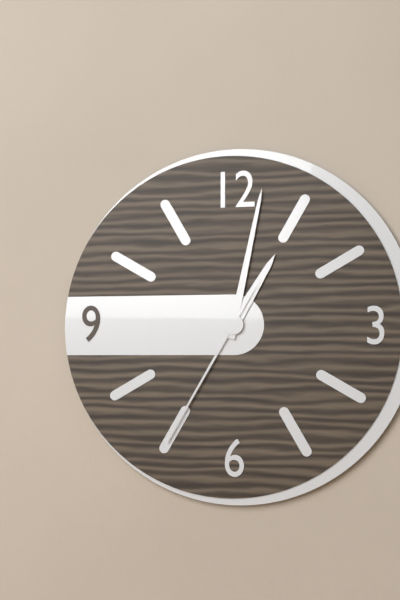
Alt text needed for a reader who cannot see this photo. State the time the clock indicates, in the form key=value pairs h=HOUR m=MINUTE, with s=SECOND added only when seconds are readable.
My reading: h=1 m=2 s=35
